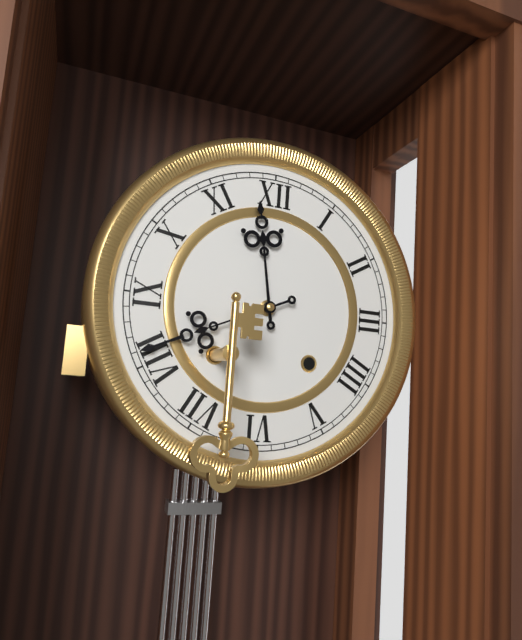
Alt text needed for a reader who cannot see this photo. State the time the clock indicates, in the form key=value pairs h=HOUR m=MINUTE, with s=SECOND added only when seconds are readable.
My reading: h=11 m=41
